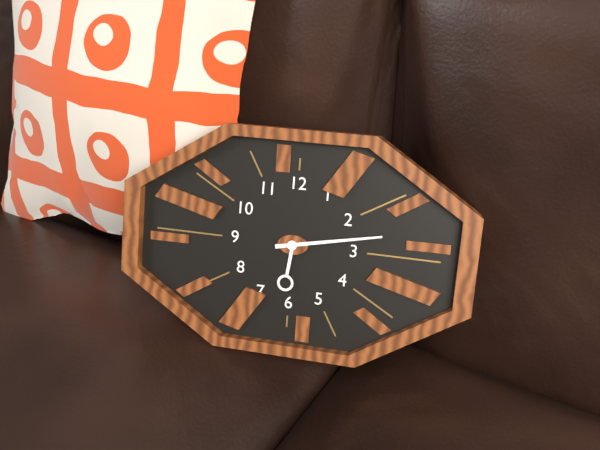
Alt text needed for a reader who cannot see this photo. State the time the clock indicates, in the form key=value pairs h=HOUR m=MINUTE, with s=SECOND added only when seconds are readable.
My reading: h=6 m=13
